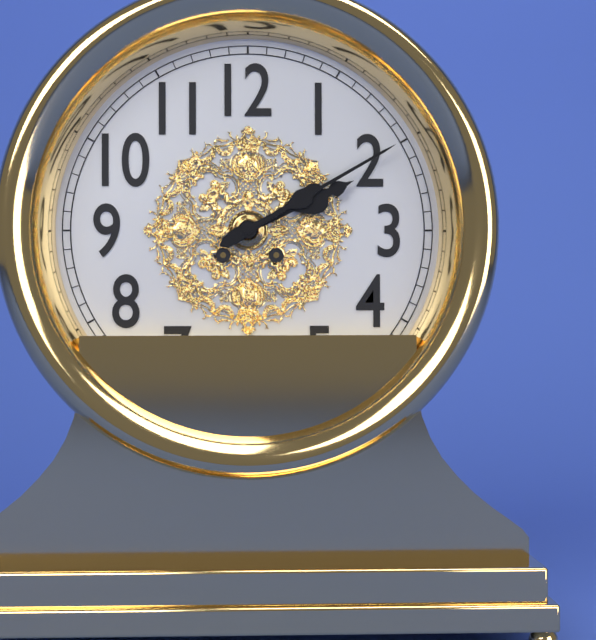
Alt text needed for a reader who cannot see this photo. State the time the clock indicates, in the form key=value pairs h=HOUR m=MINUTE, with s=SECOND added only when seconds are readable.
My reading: h=2 m=10
